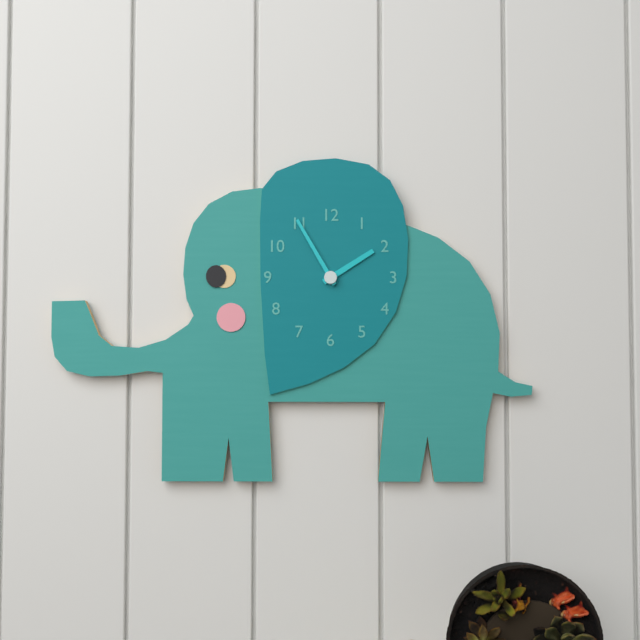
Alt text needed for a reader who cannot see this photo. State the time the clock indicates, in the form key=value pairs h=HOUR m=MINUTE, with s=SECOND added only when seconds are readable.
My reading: h=1 m=55
